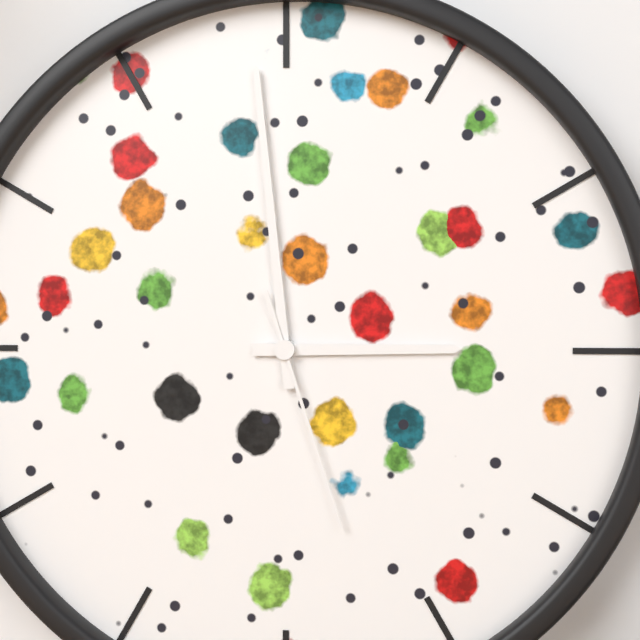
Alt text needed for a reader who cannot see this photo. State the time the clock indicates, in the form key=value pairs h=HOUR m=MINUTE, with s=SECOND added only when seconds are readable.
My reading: h=2 m=59 s=27
